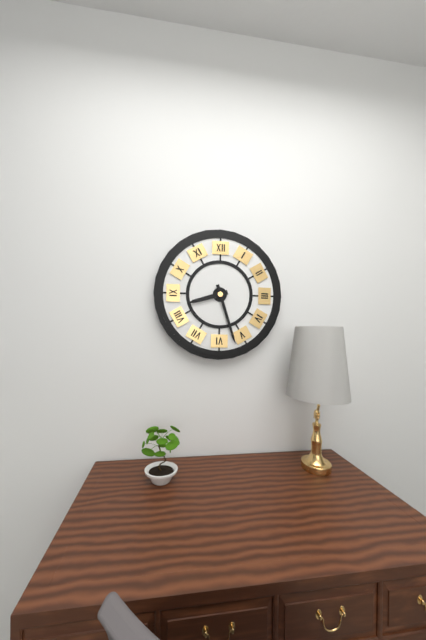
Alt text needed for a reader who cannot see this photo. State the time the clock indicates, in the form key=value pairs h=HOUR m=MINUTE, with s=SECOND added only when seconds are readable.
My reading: h=8 m=27
